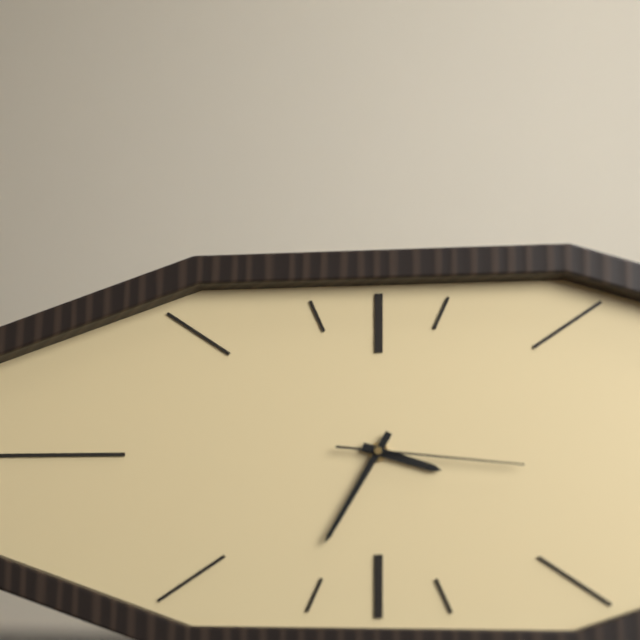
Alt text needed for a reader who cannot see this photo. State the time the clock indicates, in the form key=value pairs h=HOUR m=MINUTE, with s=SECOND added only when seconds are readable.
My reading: h=3 m=35 s=16
